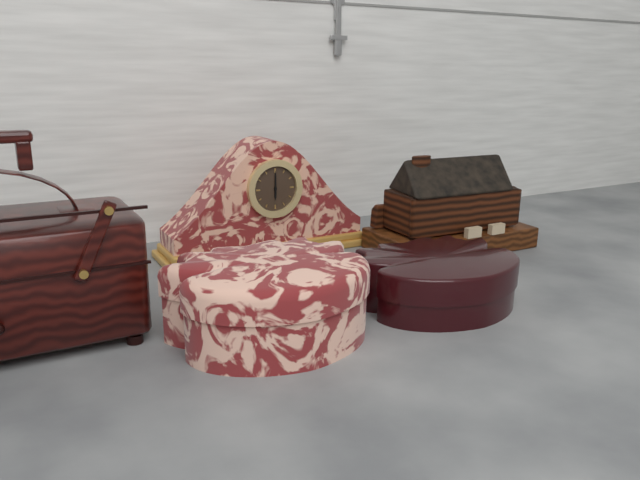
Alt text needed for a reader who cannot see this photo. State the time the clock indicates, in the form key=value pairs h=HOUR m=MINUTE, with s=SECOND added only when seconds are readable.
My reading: h=6 m=0
